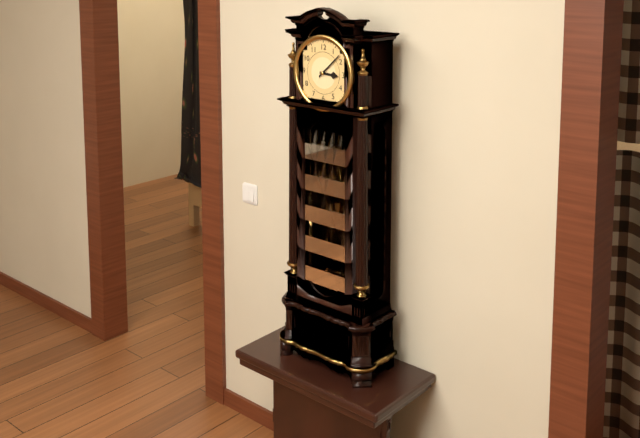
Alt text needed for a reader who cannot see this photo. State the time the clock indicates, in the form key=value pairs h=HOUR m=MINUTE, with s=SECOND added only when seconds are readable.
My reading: h=3 m=8
